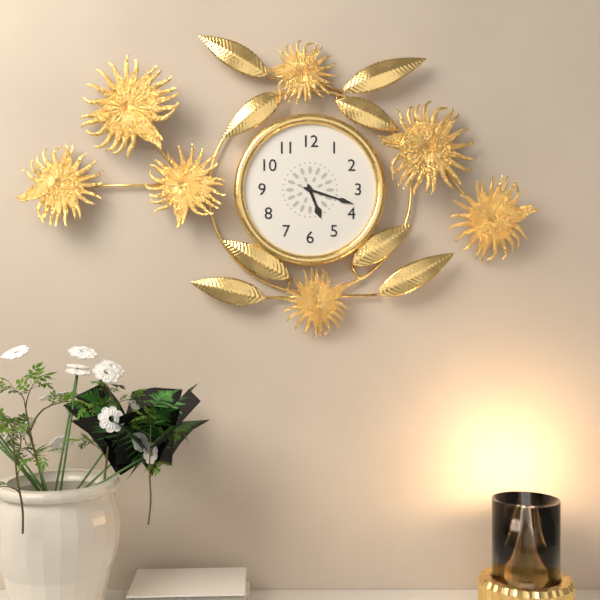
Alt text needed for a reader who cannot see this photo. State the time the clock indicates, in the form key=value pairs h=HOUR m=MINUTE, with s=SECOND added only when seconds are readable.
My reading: h=5 m=18
